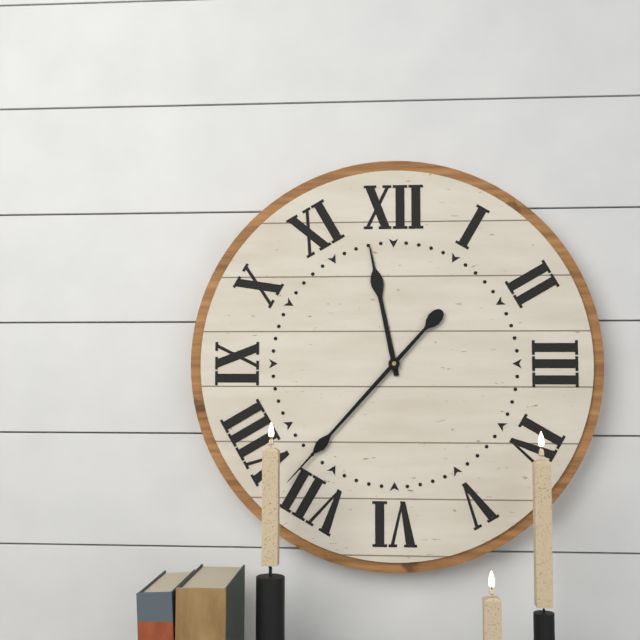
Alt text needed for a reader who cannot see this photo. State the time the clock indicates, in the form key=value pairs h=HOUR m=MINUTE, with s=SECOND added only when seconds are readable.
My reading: h=11 m=37
